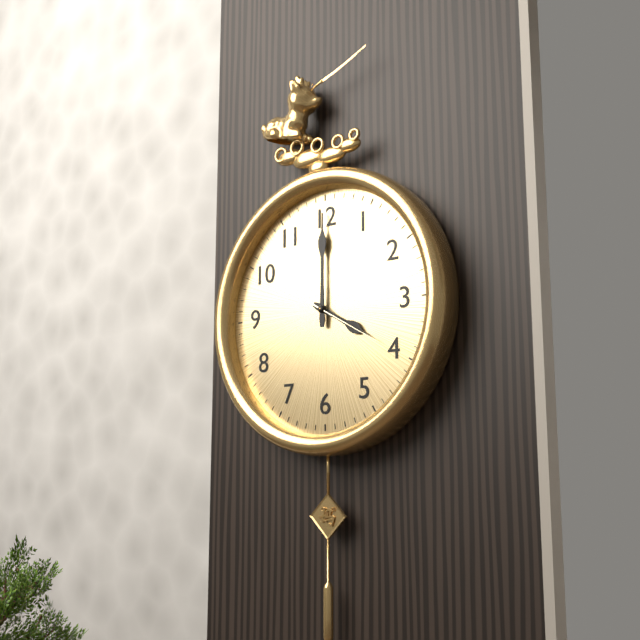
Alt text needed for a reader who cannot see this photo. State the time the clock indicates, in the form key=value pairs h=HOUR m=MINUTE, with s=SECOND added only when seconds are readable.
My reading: h=4 m=0 s=20
